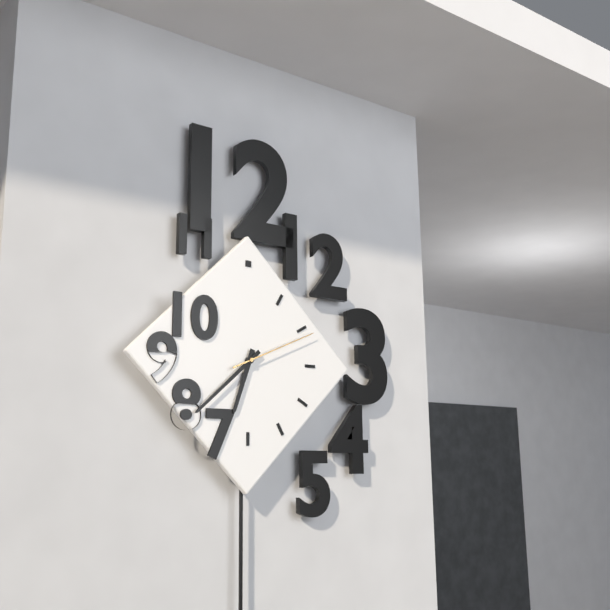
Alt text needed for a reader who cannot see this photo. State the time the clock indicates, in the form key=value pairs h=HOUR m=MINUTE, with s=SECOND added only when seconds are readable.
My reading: h=6 m=38 s=11
